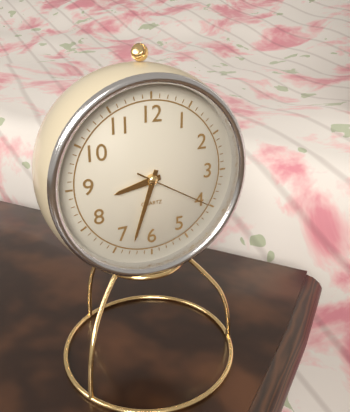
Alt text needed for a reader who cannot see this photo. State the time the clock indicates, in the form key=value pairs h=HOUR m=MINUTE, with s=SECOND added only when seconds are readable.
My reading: h=8 m=33 s=20
